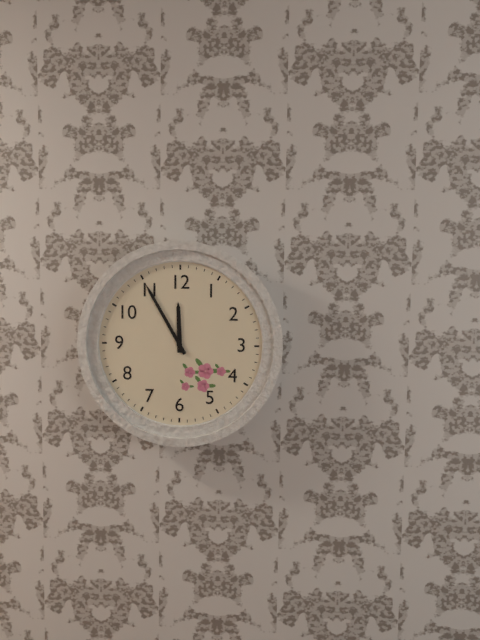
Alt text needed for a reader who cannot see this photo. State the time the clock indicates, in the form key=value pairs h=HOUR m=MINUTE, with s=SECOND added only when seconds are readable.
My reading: h=11 m=55
